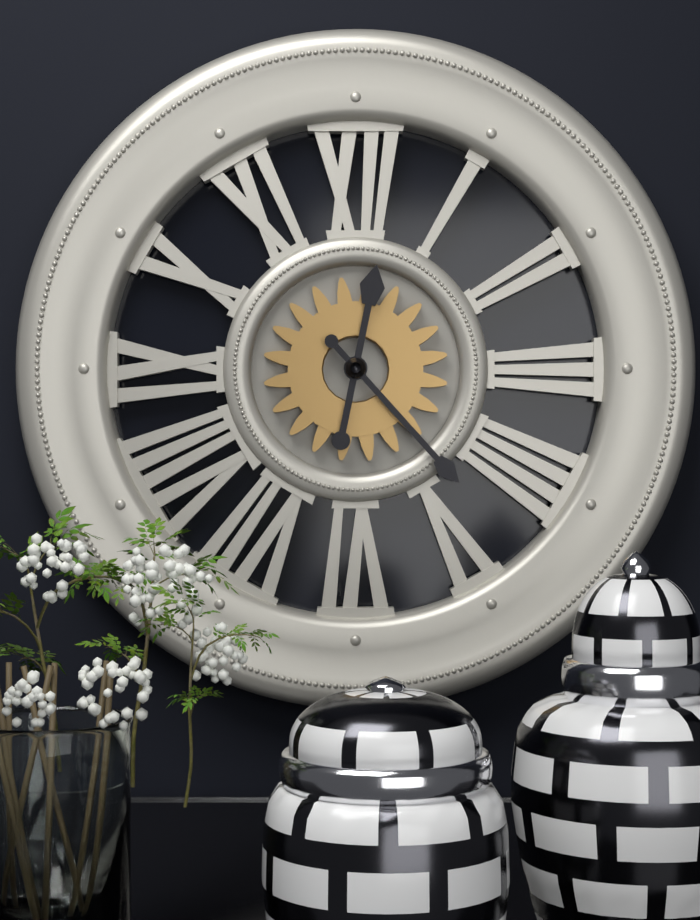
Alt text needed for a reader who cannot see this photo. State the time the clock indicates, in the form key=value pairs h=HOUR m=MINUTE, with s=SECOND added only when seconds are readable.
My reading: h=12 m=23
